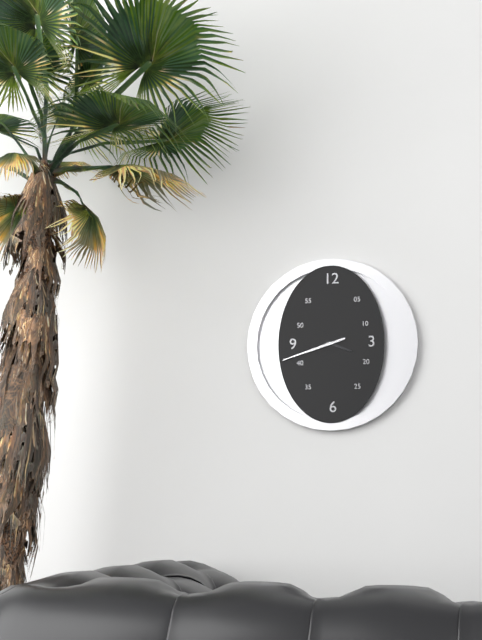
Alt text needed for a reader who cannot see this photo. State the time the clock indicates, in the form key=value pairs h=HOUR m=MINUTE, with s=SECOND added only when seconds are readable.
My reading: h=3 m=42
